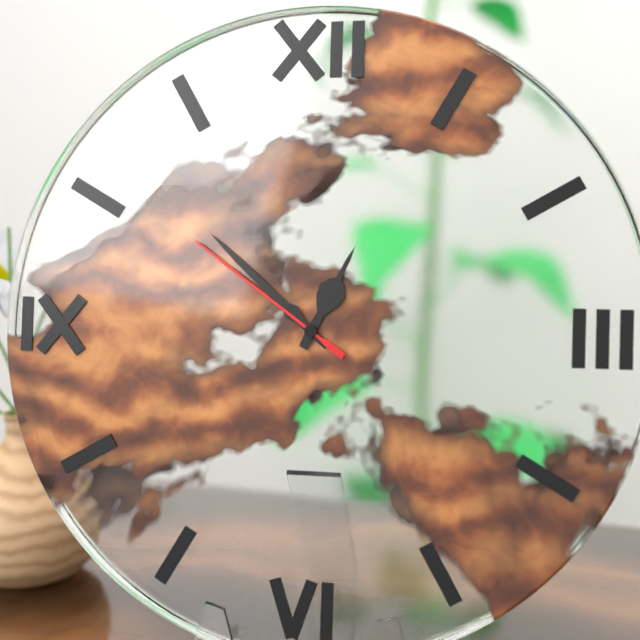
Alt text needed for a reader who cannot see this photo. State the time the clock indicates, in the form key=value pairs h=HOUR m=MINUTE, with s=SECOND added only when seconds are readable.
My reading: h=12 m=52 s=51
